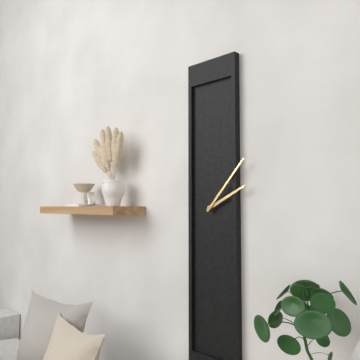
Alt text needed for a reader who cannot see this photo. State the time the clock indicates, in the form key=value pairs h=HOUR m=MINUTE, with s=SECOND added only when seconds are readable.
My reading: h=2 m=7
